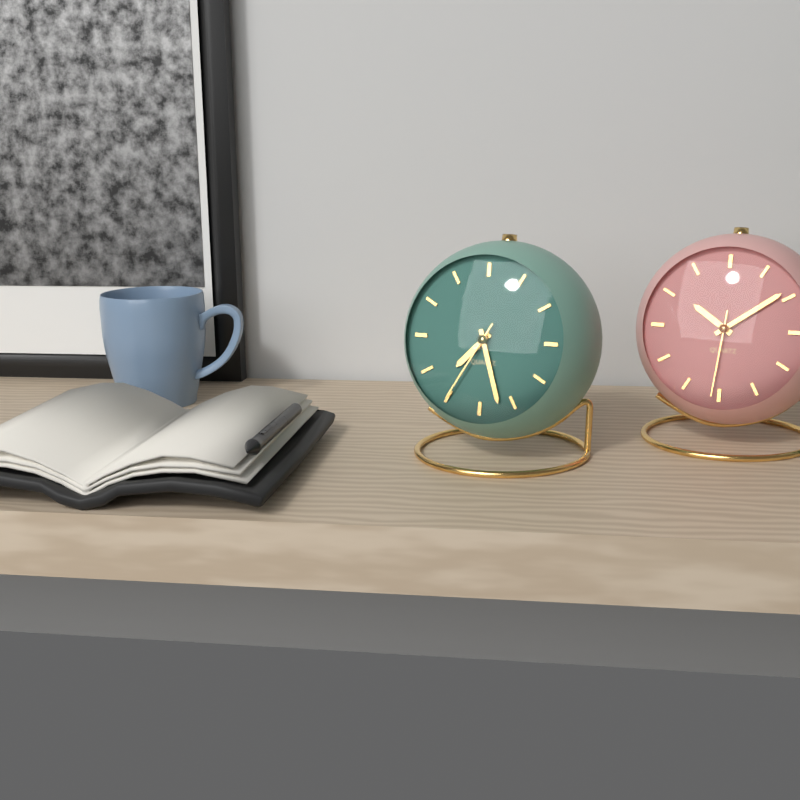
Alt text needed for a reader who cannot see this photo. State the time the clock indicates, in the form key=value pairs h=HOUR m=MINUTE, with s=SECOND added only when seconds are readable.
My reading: h=7 m=27 s=35
